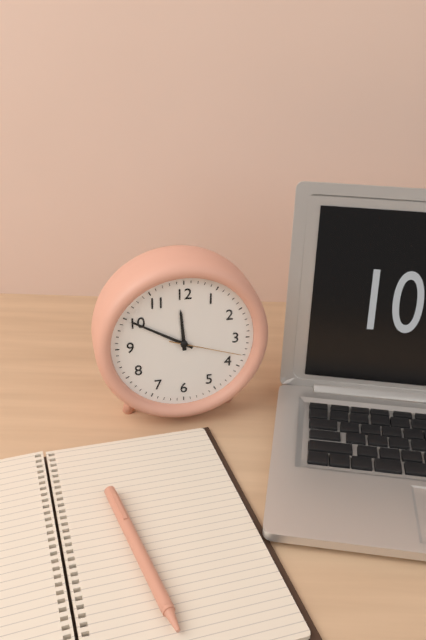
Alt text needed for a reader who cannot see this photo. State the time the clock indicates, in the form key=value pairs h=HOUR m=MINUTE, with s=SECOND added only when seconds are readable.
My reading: h=11 m=50 s=18
